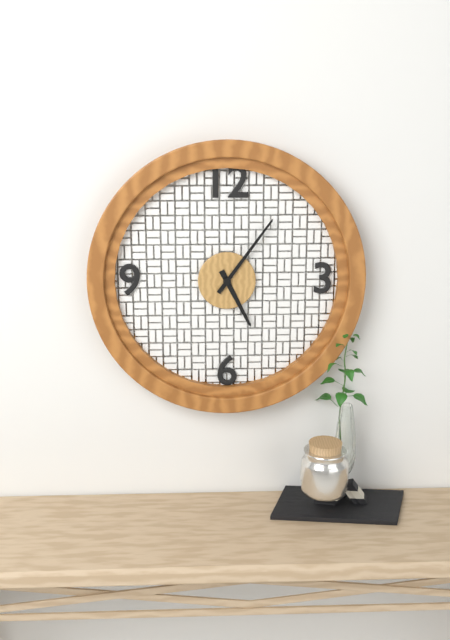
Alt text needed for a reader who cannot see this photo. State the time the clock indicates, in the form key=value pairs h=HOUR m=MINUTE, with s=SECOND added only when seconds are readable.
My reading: h=5 m=6
